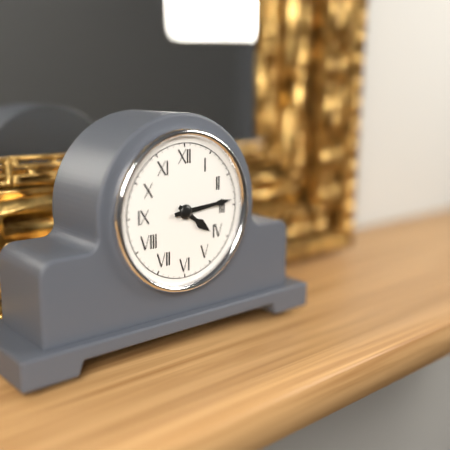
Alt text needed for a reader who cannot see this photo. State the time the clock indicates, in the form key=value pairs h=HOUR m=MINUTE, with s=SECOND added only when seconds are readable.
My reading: h=4 m=14
